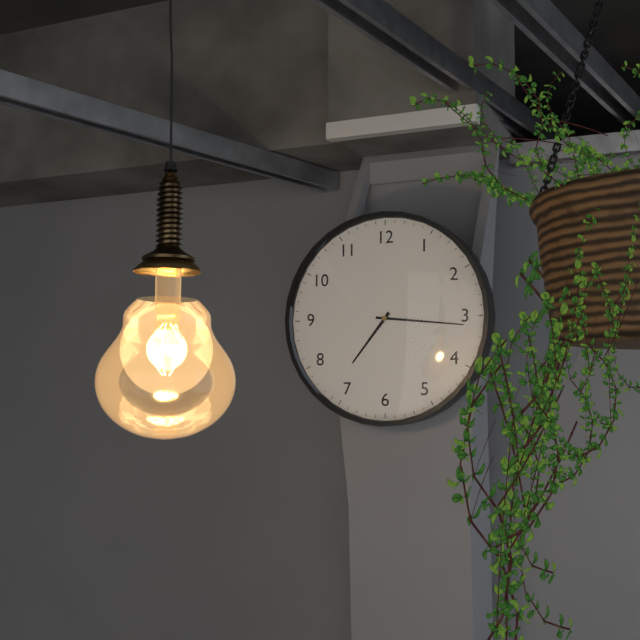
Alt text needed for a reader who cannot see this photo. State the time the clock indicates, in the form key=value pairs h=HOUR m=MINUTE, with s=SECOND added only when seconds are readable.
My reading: h=7 m=16
